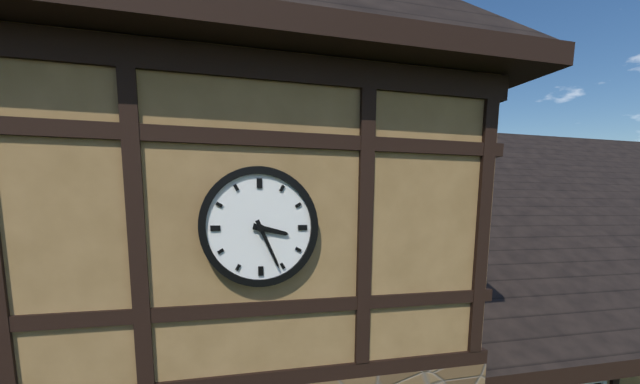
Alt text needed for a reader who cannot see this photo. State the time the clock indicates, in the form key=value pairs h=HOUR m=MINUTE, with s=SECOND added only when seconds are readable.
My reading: h=3 m=26
